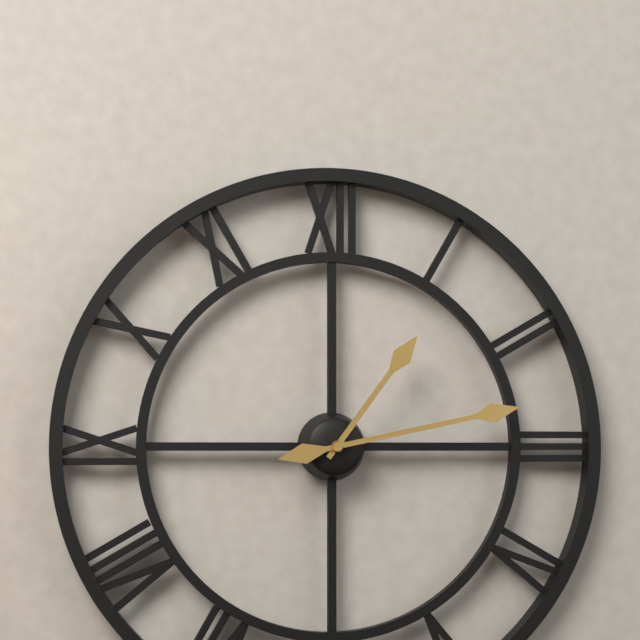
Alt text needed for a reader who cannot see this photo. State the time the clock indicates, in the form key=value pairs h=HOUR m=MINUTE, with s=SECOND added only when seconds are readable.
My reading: h=1 m=13
